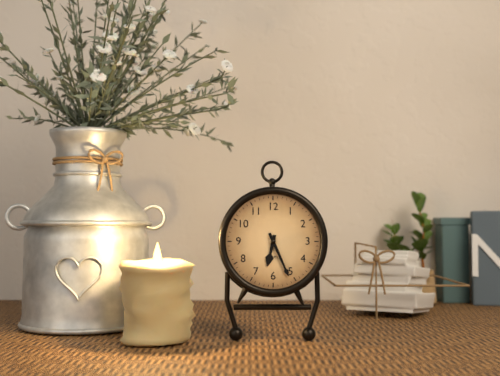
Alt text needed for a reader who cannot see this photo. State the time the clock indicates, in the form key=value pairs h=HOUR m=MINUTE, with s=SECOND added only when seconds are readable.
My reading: h=6 m=26
